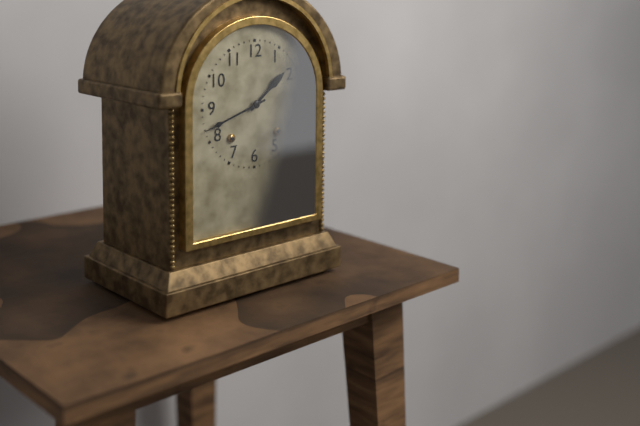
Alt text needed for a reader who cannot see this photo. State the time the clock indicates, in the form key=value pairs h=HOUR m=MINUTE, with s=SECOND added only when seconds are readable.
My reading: h=1 m=42
